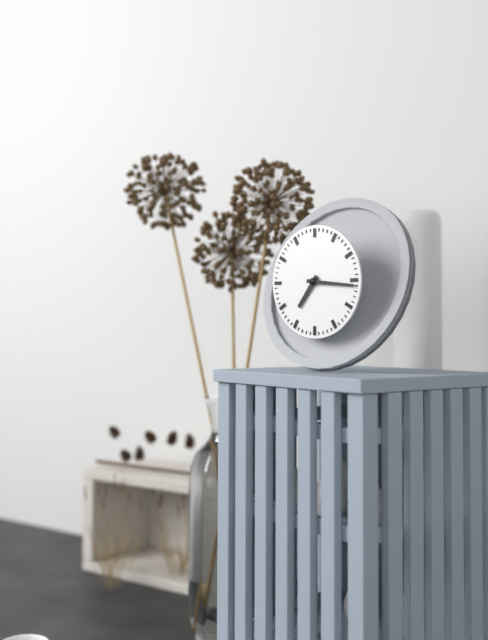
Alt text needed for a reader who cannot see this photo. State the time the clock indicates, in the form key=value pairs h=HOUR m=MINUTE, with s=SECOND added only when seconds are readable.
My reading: h=7 m=16
